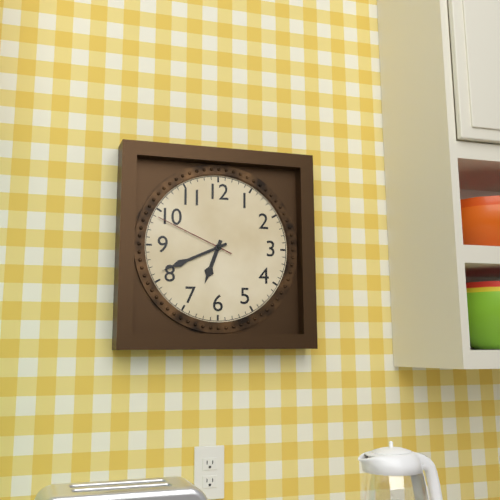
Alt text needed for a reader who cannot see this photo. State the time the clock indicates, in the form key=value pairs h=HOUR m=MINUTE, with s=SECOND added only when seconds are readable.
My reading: h=6 m=41 s=49
